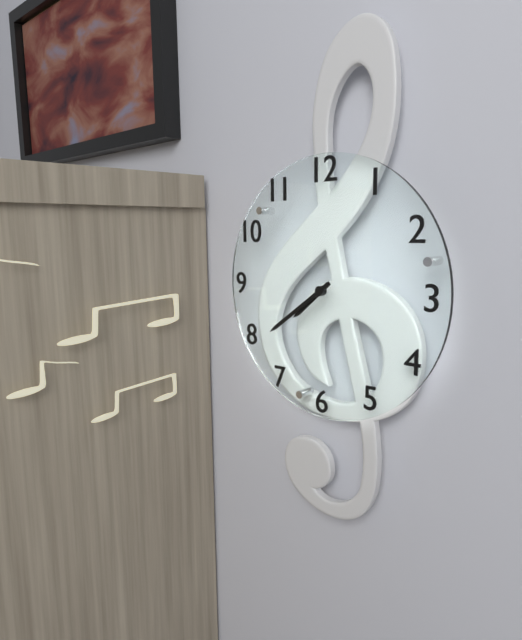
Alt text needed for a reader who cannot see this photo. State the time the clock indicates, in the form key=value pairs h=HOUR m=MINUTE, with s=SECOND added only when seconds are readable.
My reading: h=7 m=39
